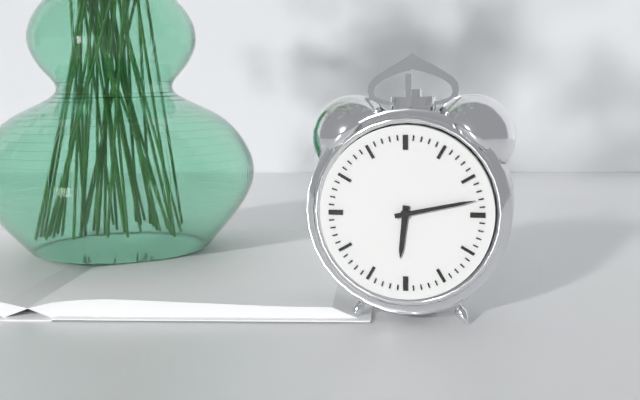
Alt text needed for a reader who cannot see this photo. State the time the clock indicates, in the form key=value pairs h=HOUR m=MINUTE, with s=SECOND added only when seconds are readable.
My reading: h=6 m=13
